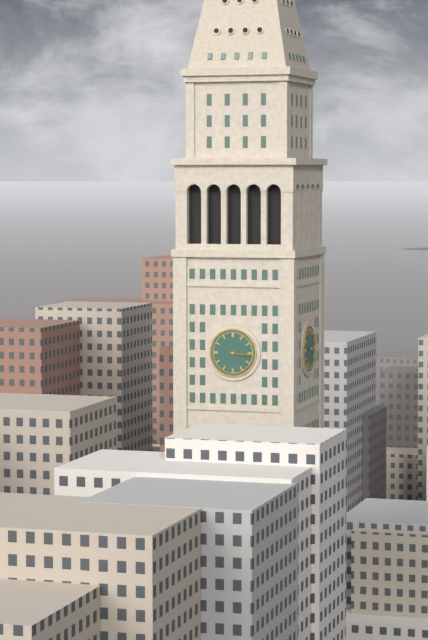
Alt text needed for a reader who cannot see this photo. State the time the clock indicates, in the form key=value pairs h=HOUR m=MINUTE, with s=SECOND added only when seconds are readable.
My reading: h=3 m=16
